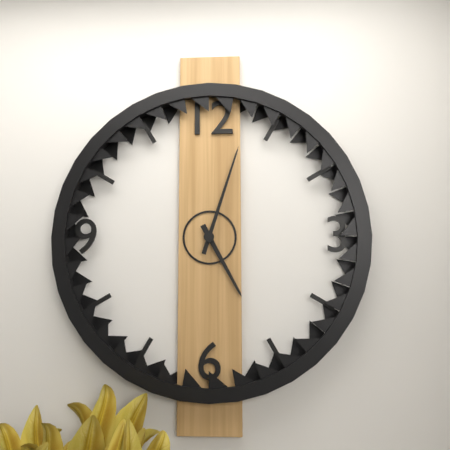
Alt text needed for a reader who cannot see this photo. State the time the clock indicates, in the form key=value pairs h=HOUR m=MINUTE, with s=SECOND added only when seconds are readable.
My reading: h=5 m=3
